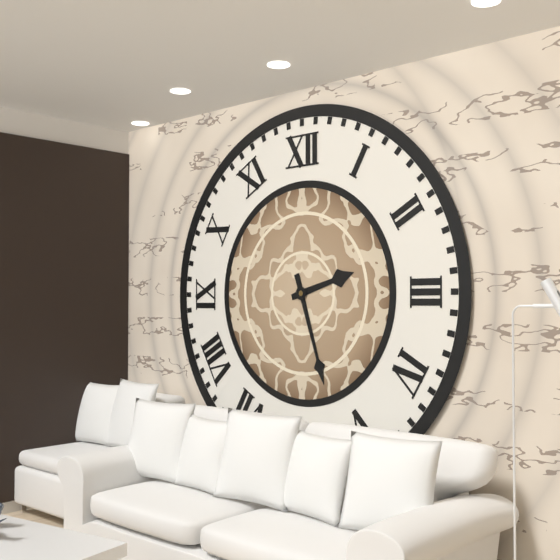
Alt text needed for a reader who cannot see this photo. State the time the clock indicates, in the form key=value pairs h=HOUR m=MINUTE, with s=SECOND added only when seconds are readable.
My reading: h=2 m=27
